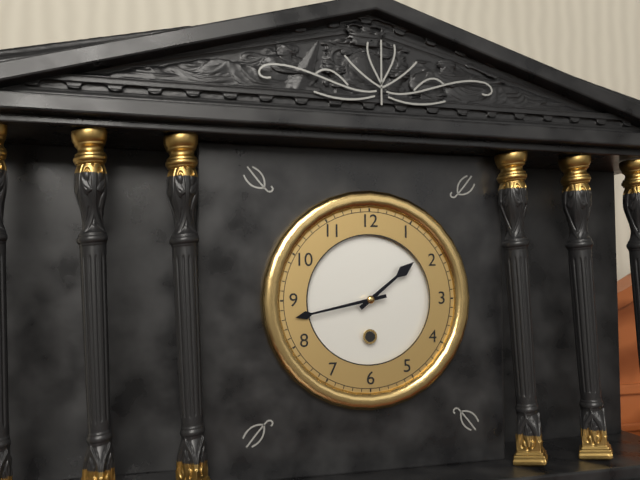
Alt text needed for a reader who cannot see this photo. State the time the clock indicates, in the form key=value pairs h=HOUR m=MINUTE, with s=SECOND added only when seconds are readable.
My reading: h=1 m=43
